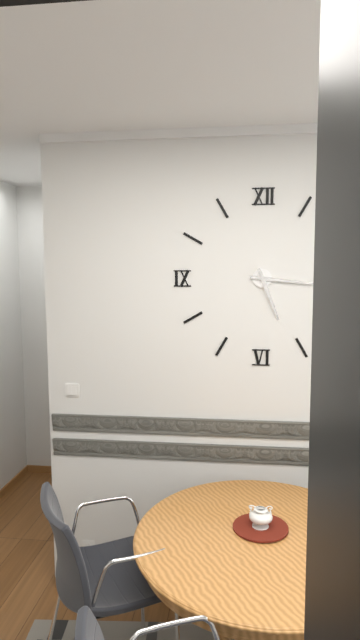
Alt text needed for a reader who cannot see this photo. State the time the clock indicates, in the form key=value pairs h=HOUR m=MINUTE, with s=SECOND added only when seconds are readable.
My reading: h=5 m=16
